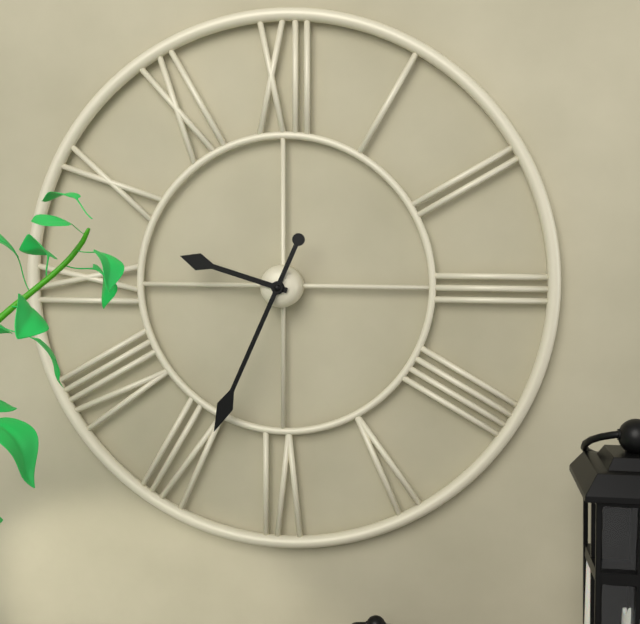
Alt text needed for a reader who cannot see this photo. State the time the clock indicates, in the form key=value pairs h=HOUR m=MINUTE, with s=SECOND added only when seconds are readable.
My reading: h=9 m=34
